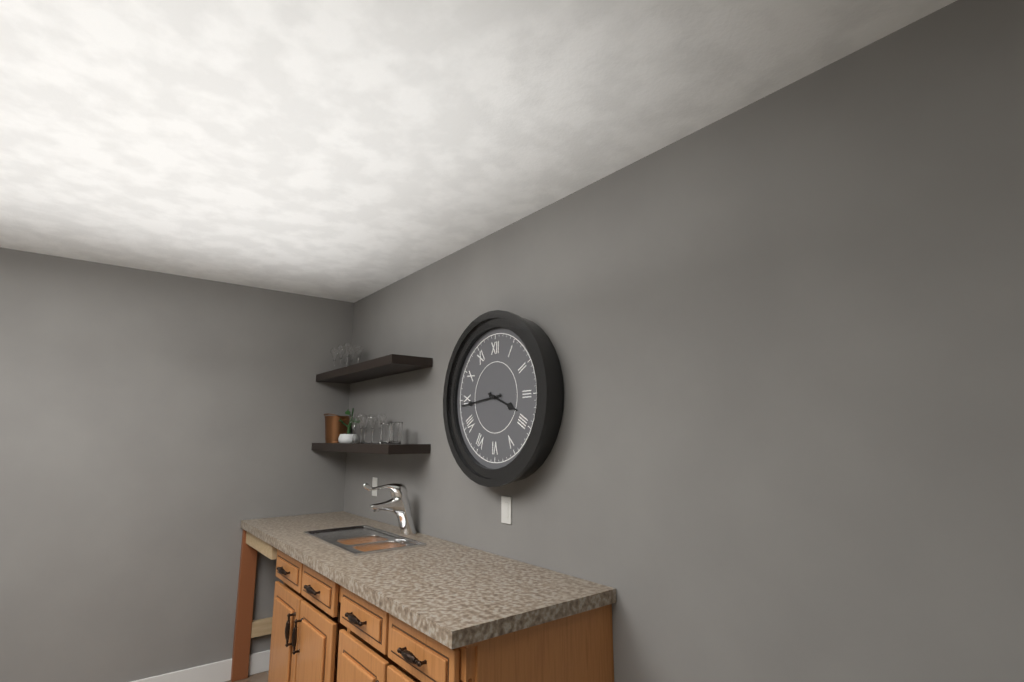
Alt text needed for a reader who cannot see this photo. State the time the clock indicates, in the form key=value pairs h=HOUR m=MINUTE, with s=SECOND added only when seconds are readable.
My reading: h=3 m=44
